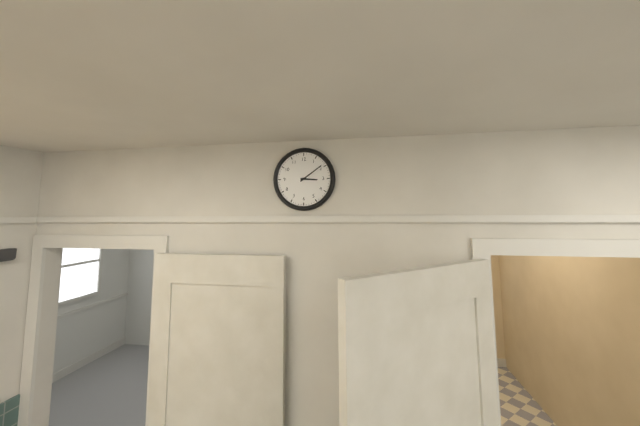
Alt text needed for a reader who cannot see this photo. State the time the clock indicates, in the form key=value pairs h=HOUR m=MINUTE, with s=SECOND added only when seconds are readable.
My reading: h=3 m=9
